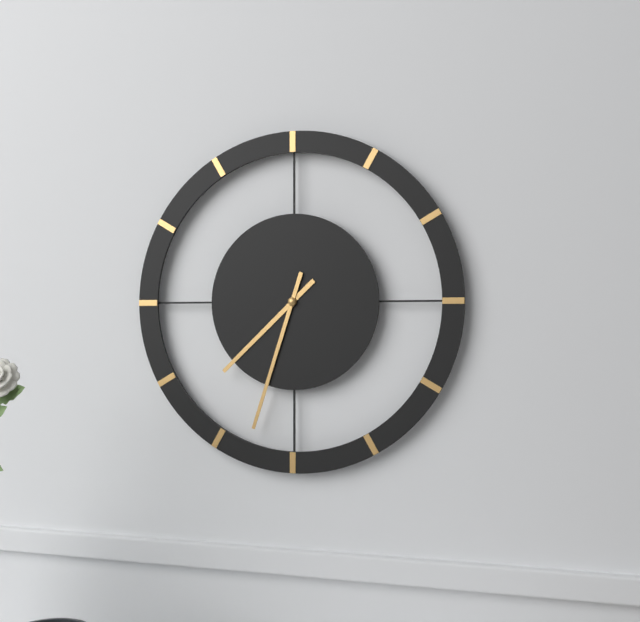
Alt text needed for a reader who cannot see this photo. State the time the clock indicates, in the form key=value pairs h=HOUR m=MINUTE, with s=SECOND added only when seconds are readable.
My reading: h=7 m=33
